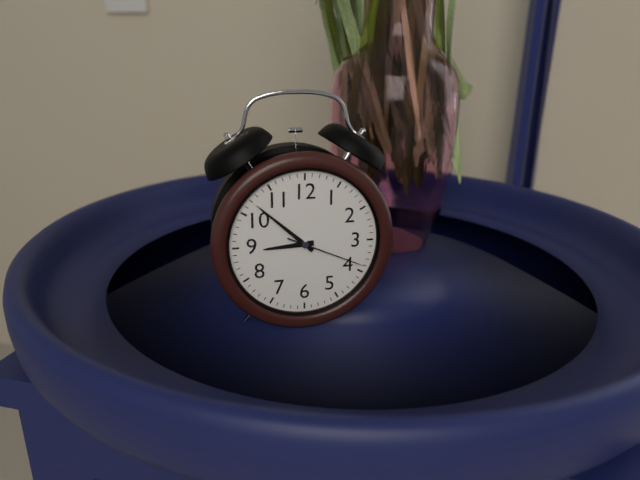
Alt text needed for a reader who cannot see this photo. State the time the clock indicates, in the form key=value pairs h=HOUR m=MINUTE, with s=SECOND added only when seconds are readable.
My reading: h=8 m=52 s=19
